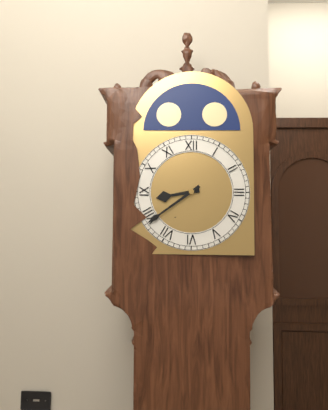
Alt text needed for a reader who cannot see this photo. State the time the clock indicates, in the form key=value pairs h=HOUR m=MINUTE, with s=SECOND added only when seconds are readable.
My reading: h=8 m=39
